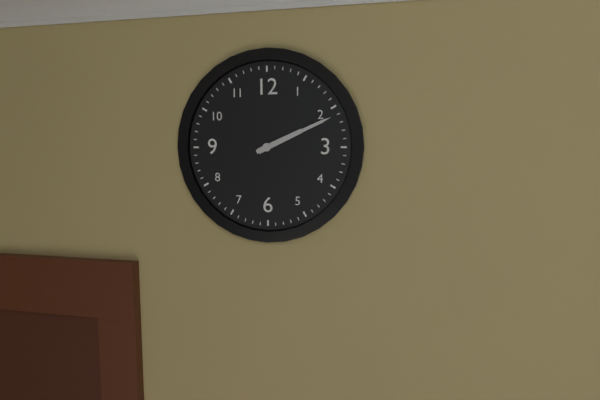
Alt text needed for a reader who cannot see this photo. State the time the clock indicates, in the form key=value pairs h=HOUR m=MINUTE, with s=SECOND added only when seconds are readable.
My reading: h=2 m=11
